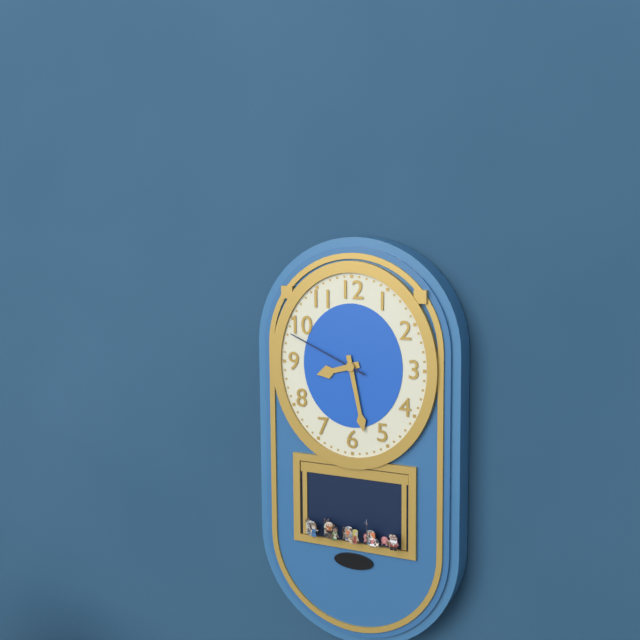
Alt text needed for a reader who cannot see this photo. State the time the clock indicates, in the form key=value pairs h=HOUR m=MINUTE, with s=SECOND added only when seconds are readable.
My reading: h=8 m=28 s=49
